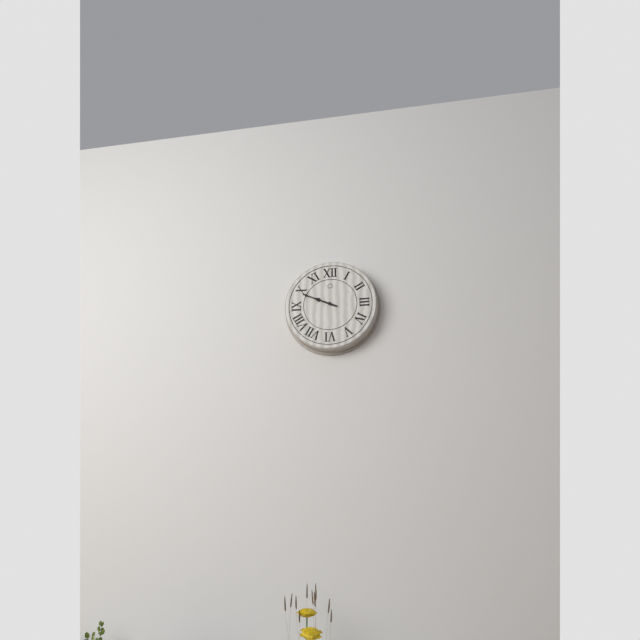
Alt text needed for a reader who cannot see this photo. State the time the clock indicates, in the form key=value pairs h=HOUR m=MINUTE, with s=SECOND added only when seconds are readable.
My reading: h=9 m=49
